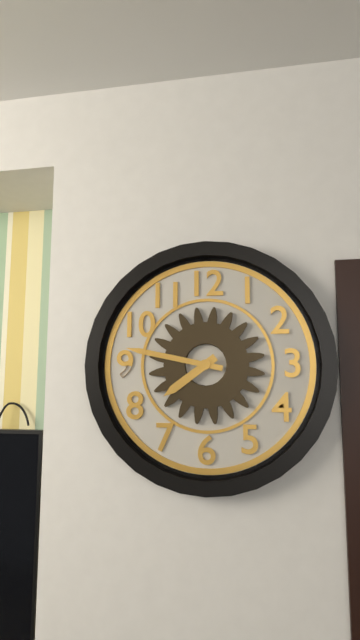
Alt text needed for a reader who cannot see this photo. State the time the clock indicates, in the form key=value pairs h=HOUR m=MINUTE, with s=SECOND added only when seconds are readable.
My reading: h=7 m=47
